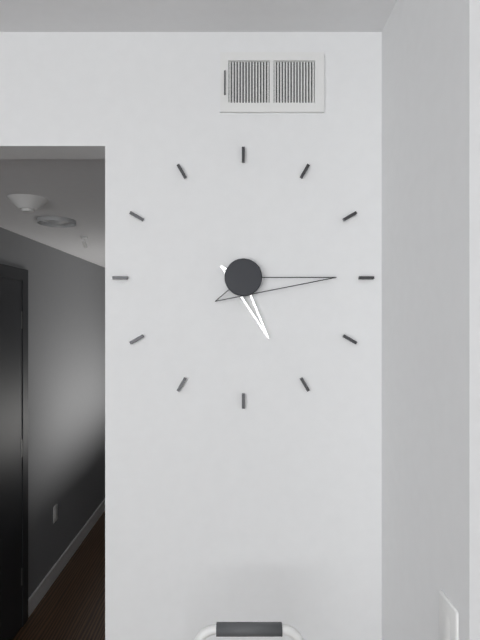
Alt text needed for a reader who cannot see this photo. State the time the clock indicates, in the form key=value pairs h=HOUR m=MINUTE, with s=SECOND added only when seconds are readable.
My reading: h=5 m=15
